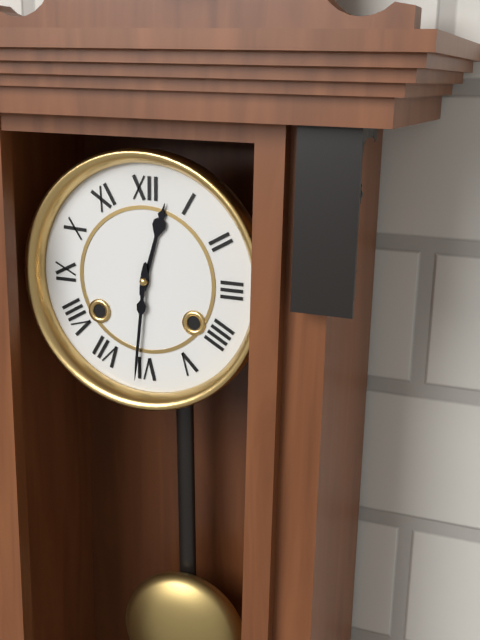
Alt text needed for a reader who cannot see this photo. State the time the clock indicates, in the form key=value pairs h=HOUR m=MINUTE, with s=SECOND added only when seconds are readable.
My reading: h=12 m=31
